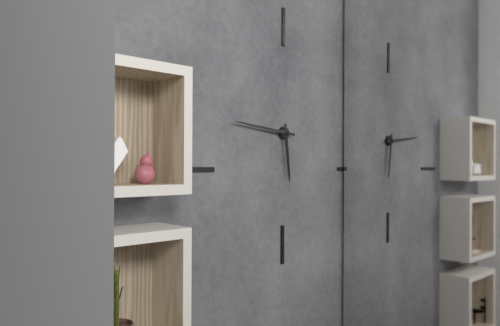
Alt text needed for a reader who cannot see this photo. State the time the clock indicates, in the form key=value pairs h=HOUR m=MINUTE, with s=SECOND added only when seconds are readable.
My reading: h=5 m=46
